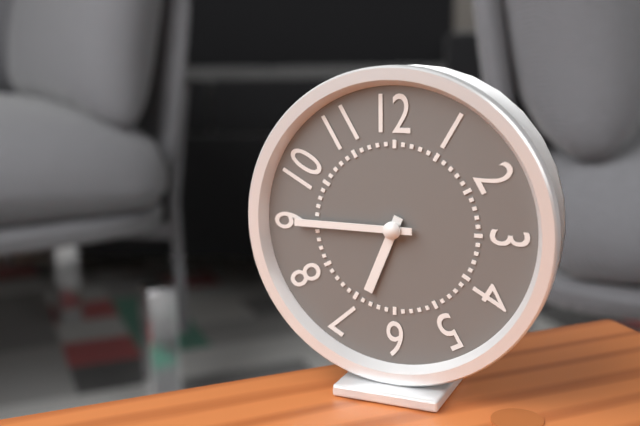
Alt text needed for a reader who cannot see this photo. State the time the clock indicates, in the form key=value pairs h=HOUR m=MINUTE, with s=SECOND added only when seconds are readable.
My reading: h=6 m=45
